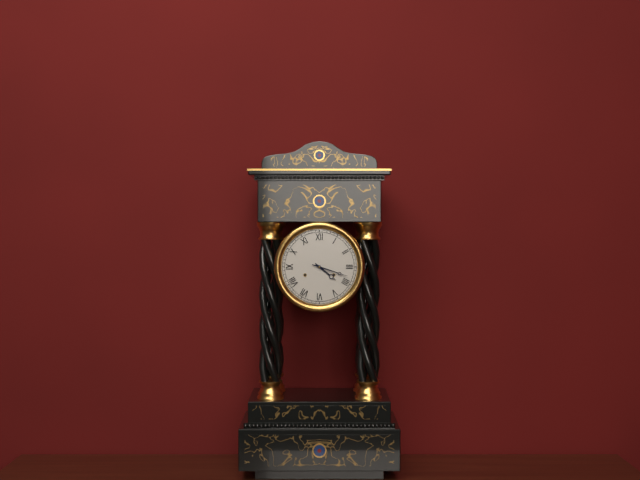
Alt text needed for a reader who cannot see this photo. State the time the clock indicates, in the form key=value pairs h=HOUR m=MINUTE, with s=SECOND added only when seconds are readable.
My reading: h=4 m=18
